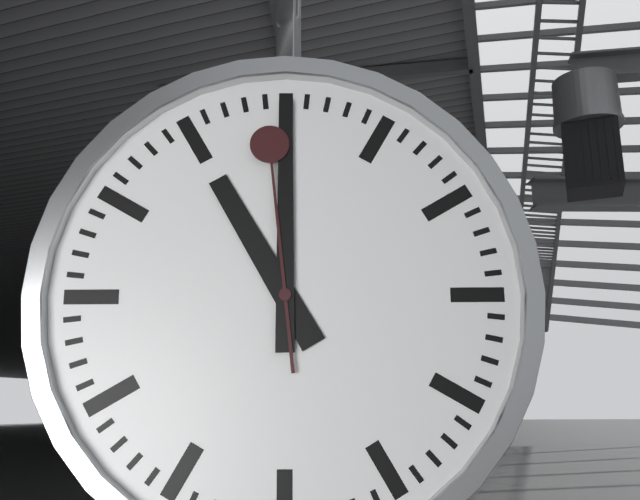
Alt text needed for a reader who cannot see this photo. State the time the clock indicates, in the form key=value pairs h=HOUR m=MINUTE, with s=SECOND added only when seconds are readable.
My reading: h=11 m=0 s=59
